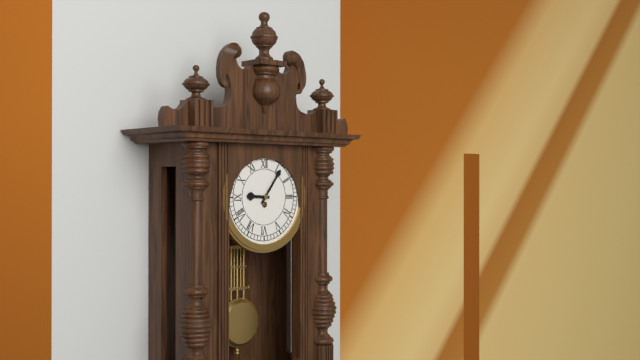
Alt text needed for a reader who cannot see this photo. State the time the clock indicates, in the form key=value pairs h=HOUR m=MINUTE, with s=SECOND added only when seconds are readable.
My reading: h=9 m=6
